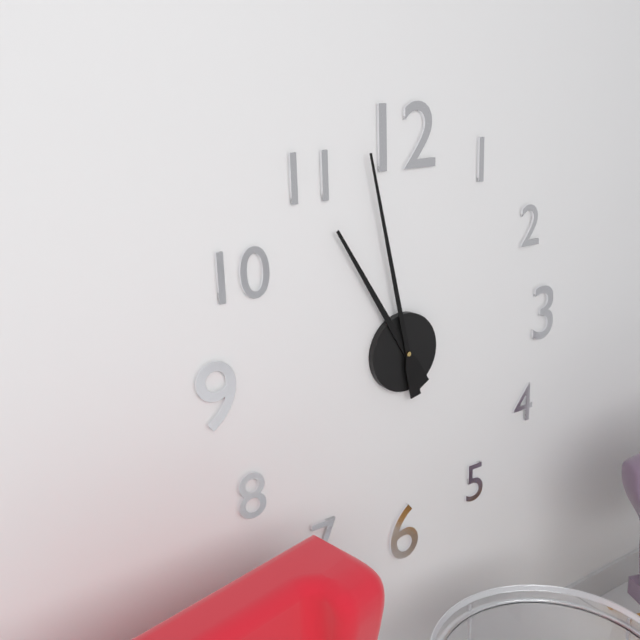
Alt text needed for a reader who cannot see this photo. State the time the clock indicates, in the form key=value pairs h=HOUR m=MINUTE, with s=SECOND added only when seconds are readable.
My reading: h=10 m=58
